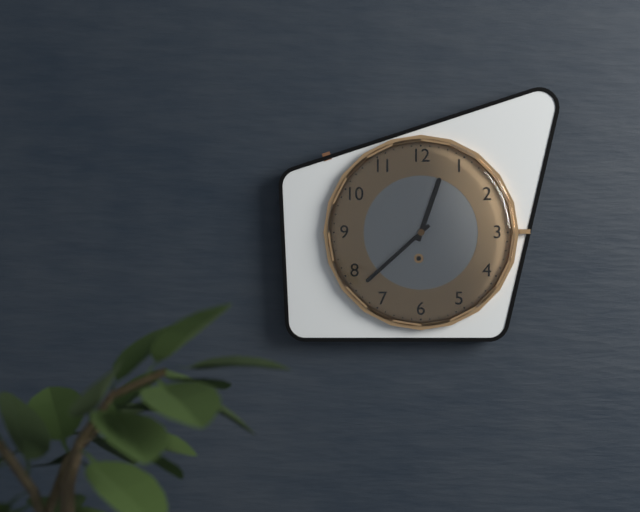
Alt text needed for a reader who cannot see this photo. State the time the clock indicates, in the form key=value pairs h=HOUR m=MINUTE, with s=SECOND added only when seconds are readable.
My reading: h=12 m=38
